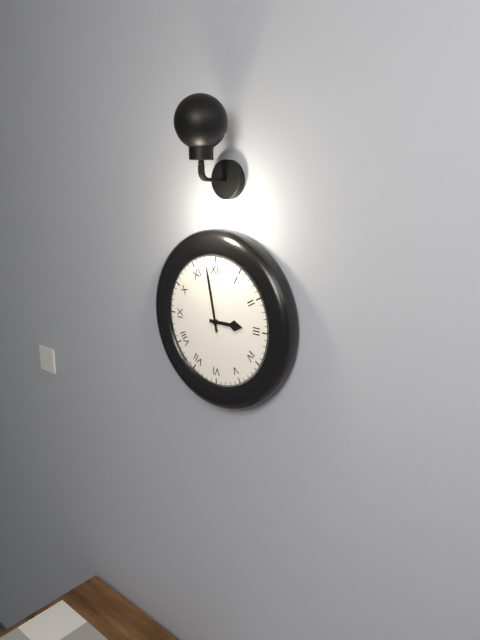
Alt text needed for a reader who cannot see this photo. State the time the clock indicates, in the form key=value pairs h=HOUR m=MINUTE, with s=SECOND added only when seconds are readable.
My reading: h=2 m=58
